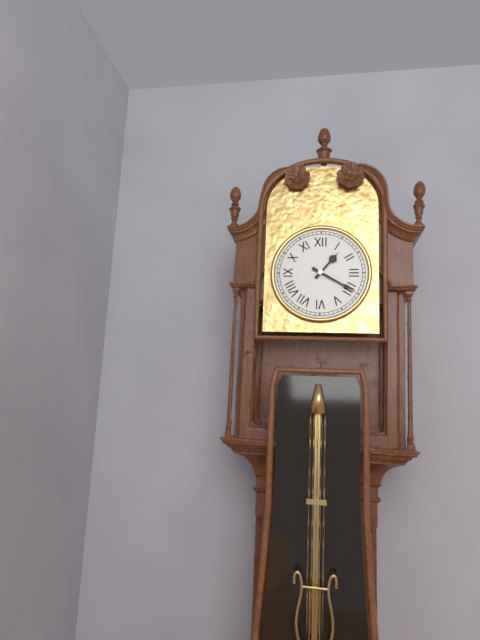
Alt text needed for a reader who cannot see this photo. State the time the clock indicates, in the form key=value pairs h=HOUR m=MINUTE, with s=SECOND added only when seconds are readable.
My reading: h=1 m=20
